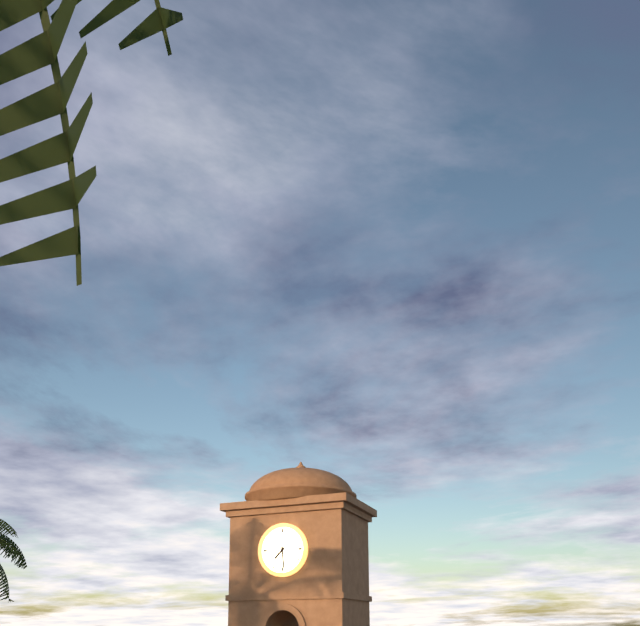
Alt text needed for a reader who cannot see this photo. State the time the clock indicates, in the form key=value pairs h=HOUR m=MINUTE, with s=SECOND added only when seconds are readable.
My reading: h=7 m=29
